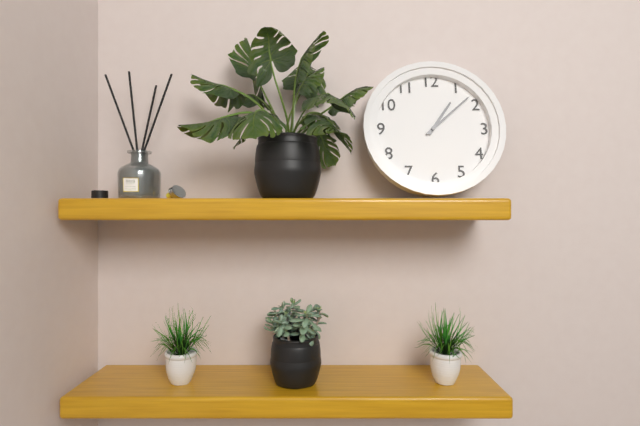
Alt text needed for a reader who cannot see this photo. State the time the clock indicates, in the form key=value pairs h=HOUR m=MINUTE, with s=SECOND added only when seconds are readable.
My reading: h=1 m=8
